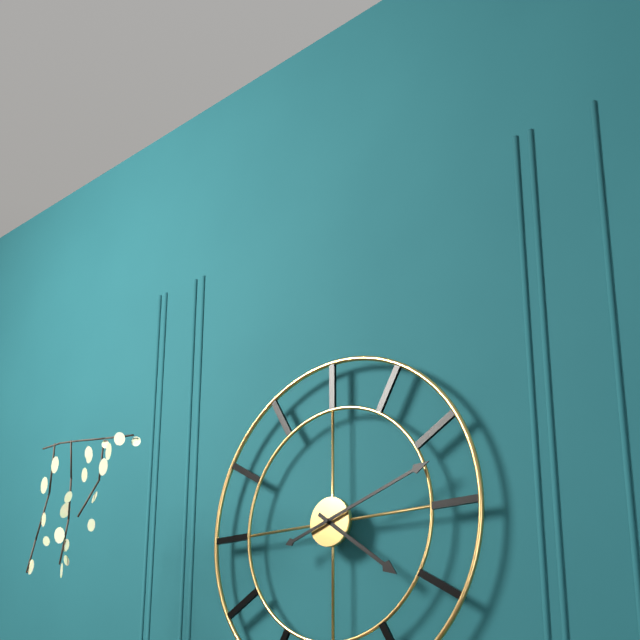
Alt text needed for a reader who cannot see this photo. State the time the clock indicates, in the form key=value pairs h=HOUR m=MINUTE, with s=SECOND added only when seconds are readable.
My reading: h=4 m=12
